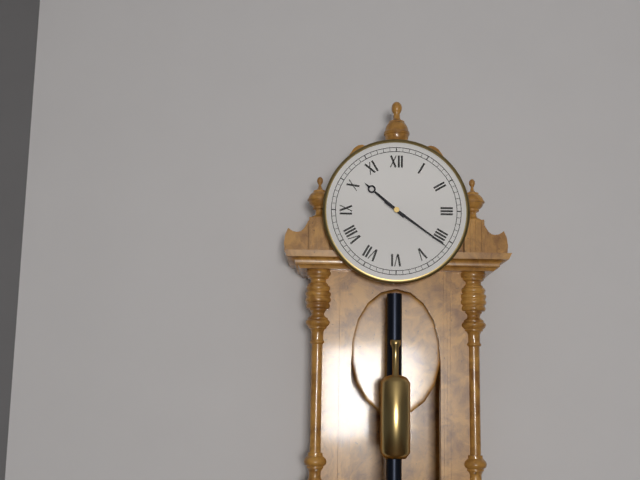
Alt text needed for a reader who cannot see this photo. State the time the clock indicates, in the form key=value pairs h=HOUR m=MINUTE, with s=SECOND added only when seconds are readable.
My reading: h=10 m=21
